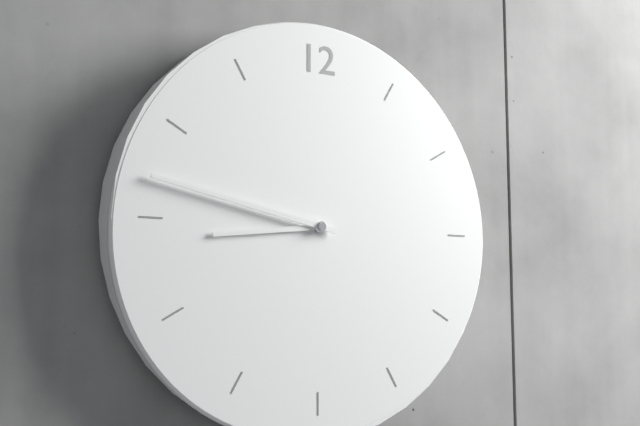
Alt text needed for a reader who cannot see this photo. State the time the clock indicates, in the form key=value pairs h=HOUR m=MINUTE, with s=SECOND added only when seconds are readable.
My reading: h=8 m=47
